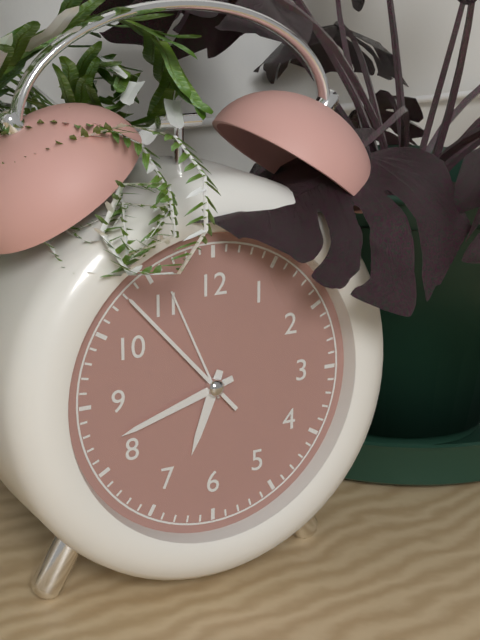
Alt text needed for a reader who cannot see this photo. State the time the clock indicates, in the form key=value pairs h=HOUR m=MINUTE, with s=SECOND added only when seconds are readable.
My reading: h=6 m=42 s=53
